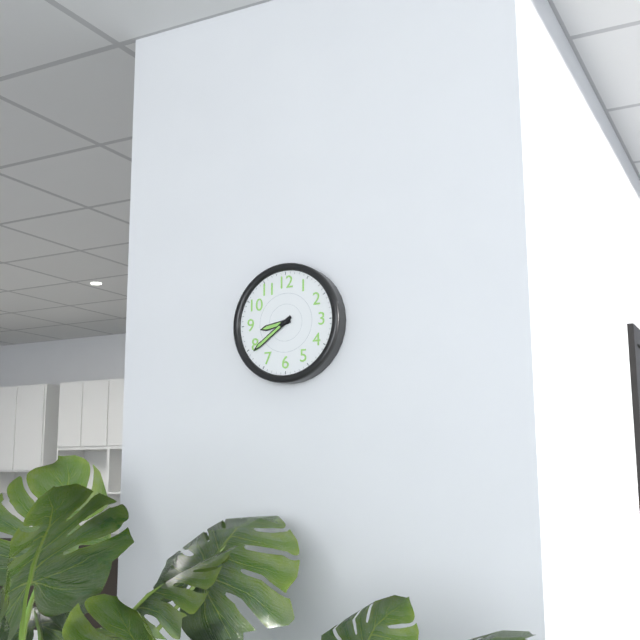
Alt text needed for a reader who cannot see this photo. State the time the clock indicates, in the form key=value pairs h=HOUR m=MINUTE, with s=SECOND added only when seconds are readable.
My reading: h=8 m=39
